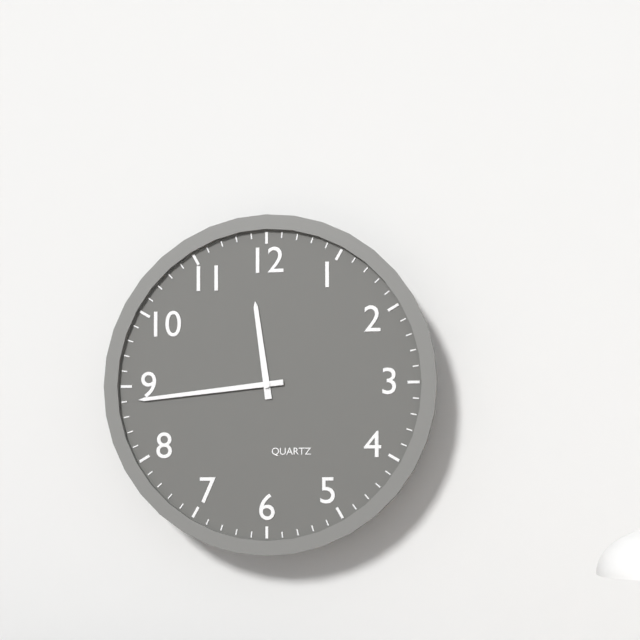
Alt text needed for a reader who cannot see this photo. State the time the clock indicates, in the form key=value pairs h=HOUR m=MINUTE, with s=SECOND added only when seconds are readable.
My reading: h=11 m=44
